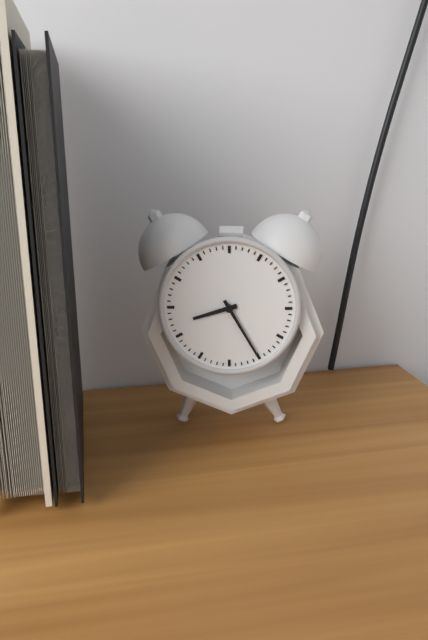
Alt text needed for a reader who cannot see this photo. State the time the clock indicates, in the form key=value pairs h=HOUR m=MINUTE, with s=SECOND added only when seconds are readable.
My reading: h=8 m=25
